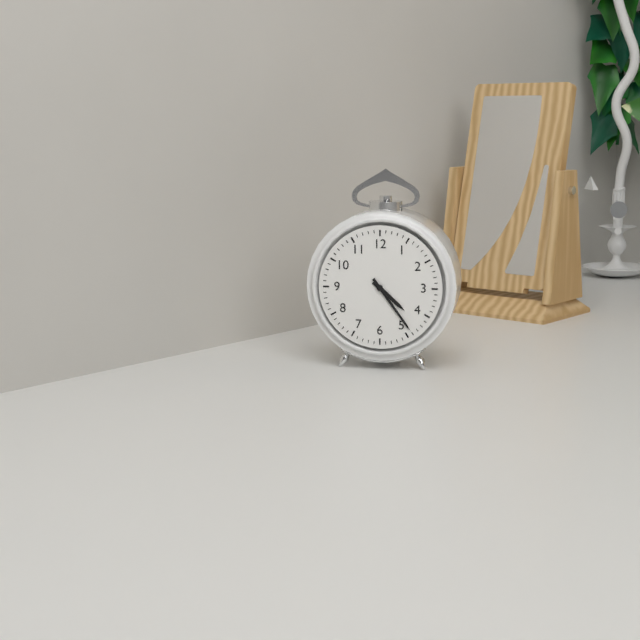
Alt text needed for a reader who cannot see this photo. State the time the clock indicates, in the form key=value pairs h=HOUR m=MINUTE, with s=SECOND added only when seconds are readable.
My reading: h=4 m=24
